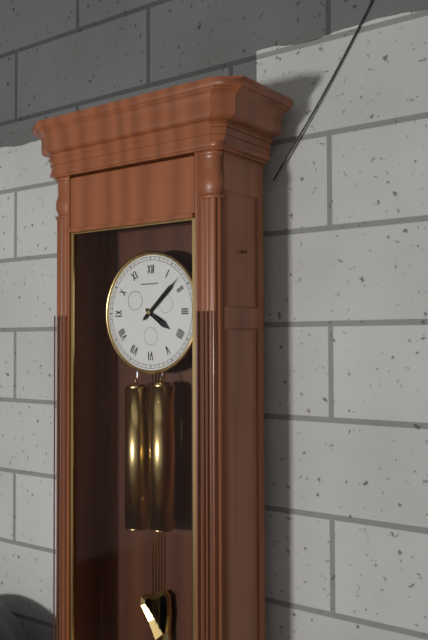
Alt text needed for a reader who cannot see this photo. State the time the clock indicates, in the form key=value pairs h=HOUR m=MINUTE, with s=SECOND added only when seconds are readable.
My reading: h=4 m=8
